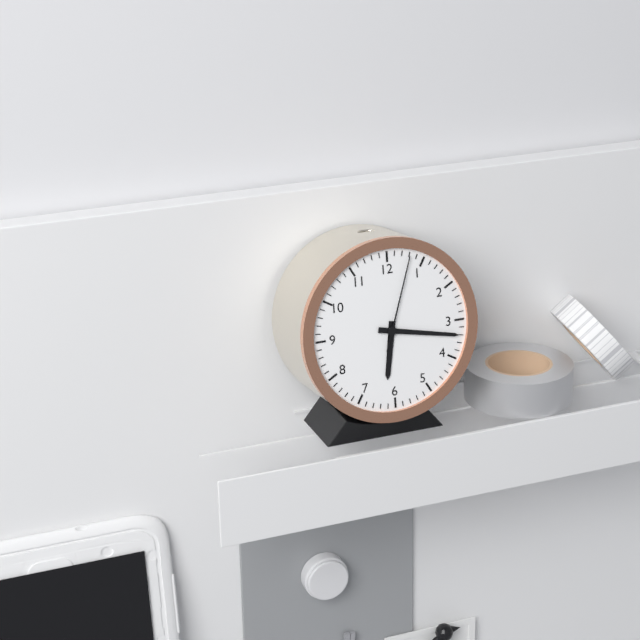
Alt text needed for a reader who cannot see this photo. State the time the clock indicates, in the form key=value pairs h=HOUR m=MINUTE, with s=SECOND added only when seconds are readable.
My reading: h=6 m=17 s=3
